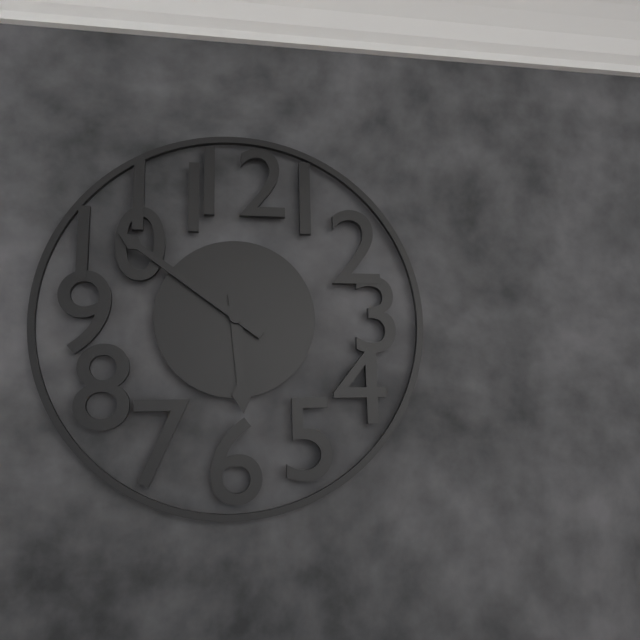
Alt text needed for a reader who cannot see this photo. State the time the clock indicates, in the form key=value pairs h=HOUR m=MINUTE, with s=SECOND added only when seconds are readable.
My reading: h=5 m=51
